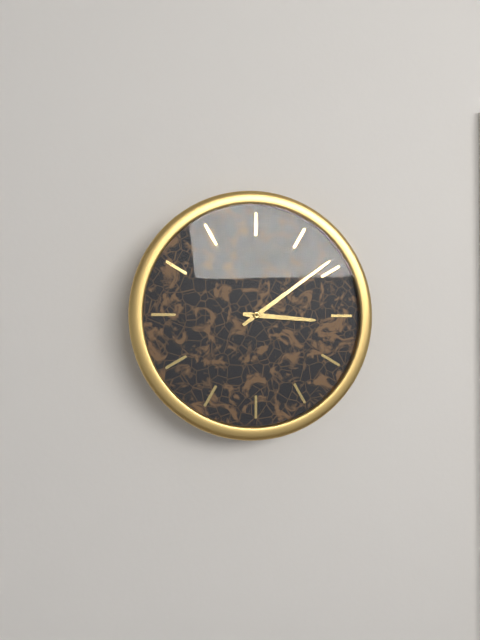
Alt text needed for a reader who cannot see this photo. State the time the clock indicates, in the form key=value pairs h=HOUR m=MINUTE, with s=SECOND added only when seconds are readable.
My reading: h=3 m=9
